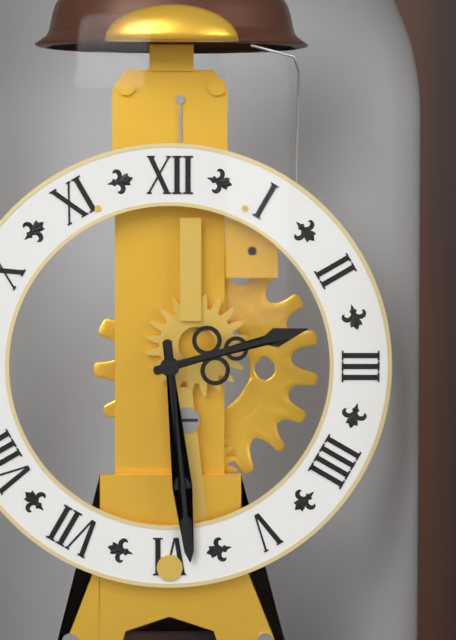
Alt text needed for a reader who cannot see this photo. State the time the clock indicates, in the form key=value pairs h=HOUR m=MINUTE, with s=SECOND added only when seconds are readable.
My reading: h=2 m=29
